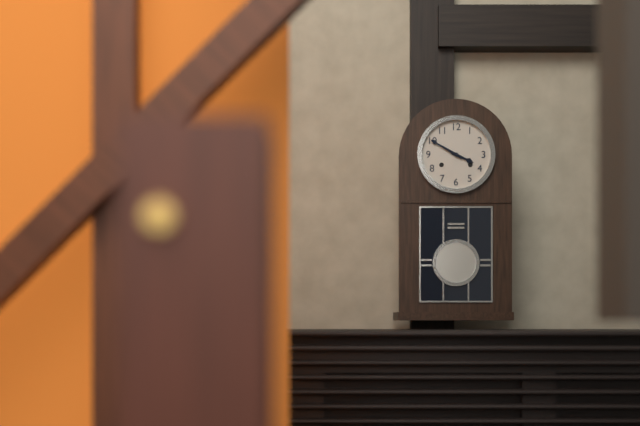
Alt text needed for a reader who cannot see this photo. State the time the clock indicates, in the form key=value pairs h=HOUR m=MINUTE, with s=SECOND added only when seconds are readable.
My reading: h=3 m=50
